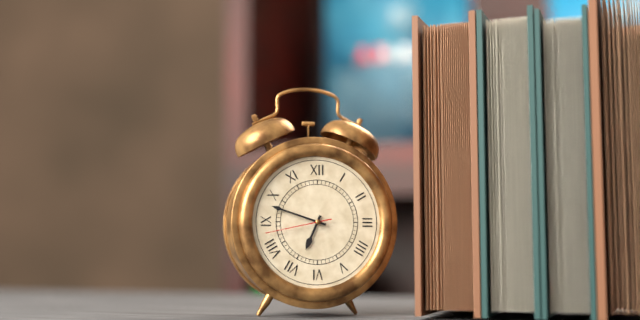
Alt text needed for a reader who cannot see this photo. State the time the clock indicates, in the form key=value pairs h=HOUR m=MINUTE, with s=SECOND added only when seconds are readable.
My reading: h=6 m=48 s=43
